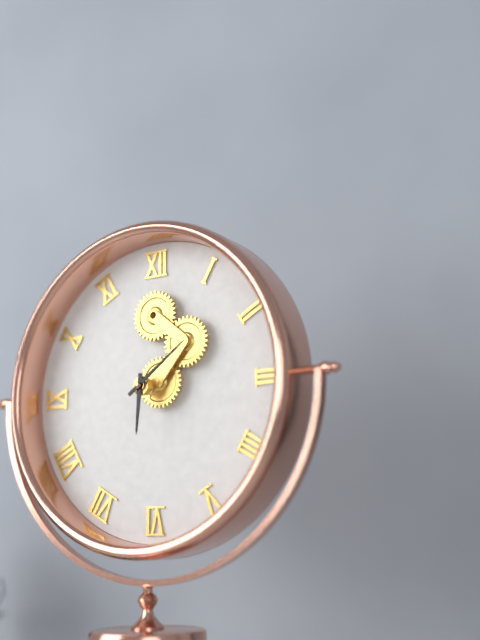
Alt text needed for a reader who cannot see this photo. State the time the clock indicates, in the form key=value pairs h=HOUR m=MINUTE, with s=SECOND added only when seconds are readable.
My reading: h=6 m=9
